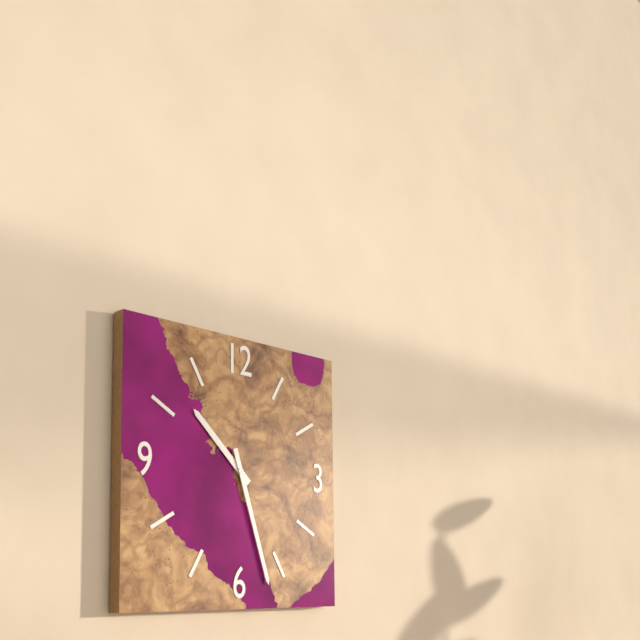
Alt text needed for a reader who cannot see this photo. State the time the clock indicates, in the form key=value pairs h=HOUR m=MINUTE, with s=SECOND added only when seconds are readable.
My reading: h=10 m=27
